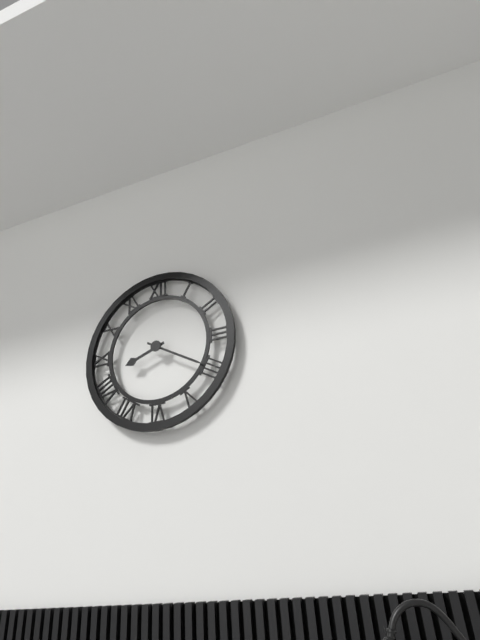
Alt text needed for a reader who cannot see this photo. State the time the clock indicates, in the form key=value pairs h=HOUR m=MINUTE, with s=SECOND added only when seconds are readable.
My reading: h=8 m=20
